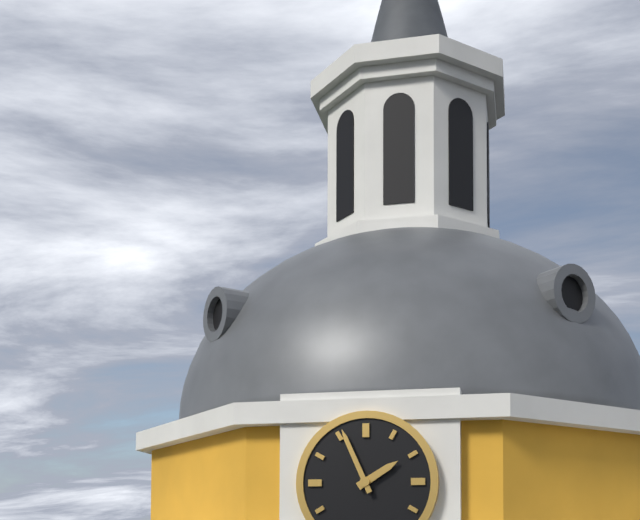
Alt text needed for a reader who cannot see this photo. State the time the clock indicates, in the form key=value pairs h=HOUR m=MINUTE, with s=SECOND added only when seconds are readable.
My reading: h=1 m=56
